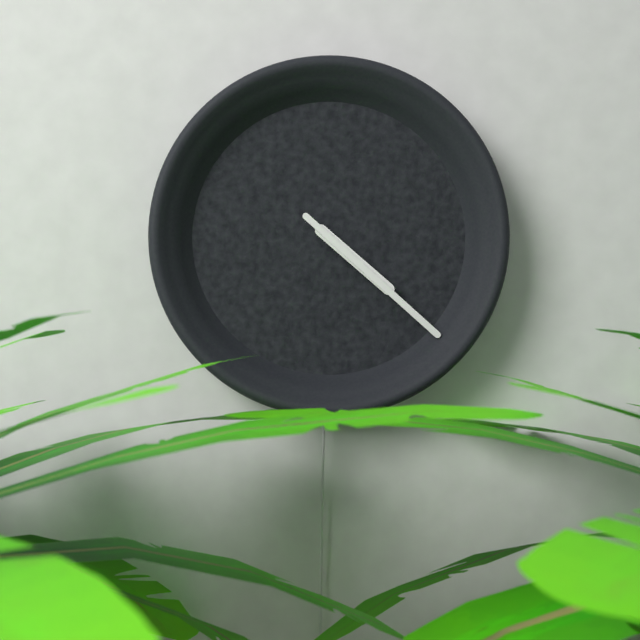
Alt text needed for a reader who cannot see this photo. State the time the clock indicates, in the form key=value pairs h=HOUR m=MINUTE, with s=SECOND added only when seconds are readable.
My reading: h=4 m=22
